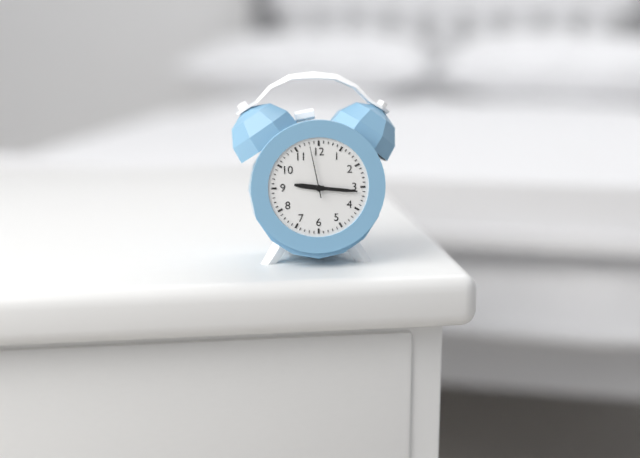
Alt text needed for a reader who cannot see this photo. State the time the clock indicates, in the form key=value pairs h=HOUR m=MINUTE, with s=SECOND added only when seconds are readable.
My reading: h=9 m=16 s=58
